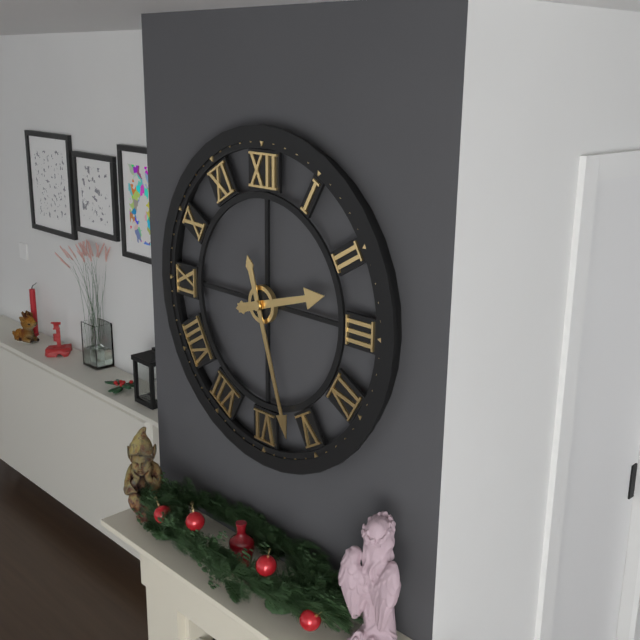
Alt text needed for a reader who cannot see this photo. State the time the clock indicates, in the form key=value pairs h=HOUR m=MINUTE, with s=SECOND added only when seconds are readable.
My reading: h=2 m=27
